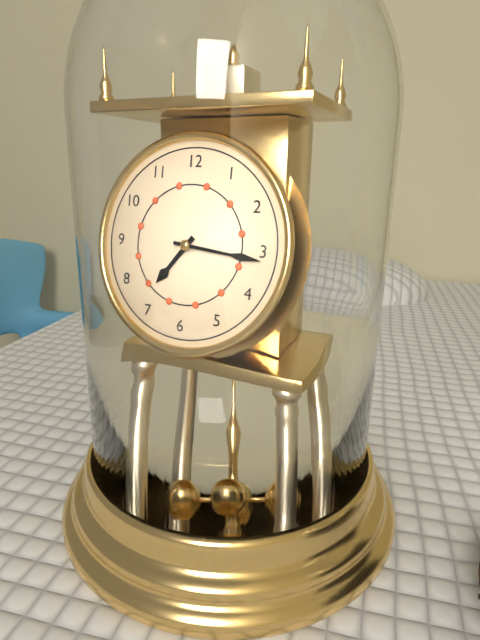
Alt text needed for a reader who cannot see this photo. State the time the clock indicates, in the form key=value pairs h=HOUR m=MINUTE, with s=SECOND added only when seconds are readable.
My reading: h=7 m=16
